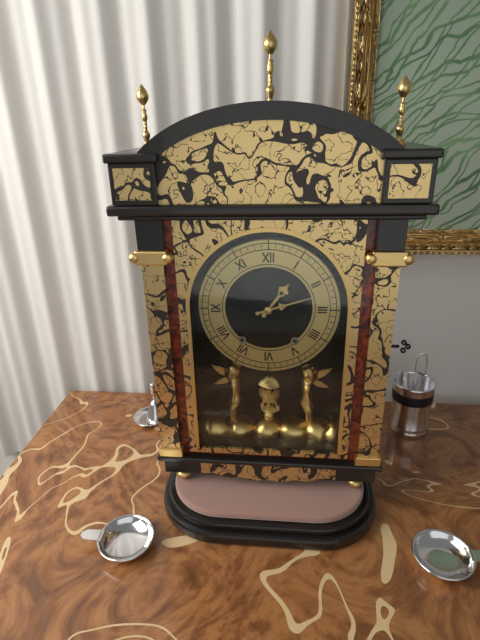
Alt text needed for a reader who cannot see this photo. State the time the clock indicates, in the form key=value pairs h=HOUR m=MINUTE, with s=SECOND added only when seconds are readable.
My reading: h=1 m=12
